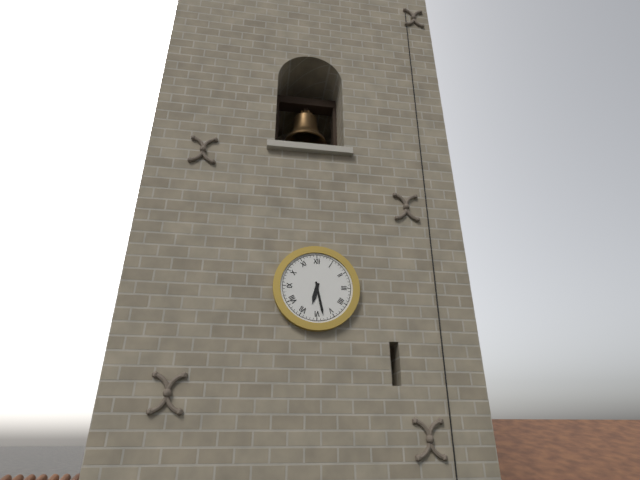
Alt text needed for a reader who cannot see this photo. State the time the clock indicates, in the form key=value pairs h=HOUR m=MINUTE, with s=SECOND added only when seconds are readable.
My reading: h=6 m=28
